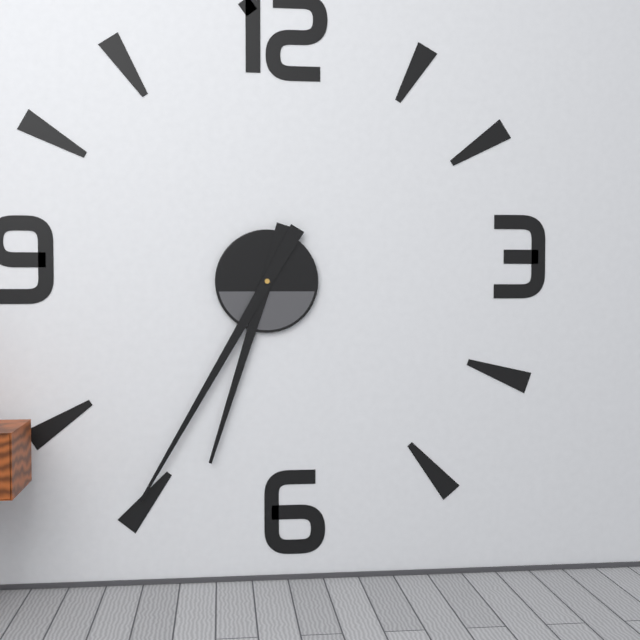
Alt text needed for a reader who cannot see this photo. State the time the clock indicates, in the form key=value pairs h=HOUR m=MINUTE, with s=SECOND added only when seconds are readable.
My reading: h=6 m=35
